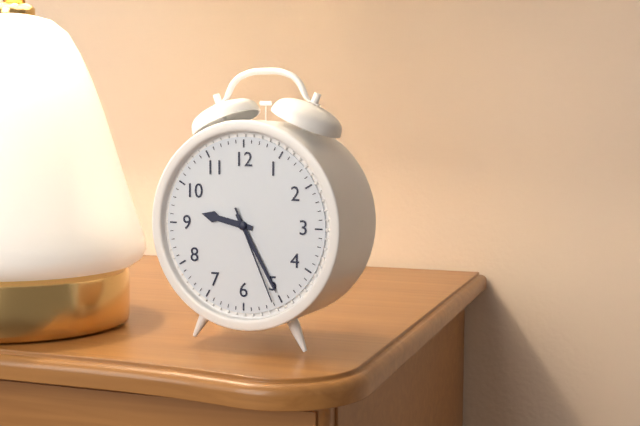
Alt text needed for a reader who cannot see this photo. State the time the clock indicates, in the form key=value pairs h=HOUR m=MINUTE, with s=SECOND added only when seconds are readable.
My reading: h=9 m=25 s=26
